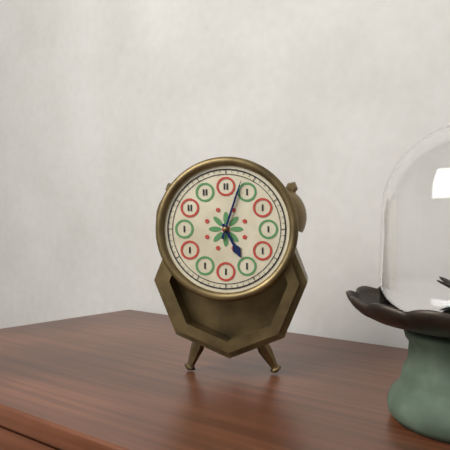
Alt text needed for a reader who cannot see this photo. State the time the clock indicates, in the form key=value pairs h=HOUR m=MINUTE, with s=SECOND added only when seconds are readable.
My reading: h=5 m=3
